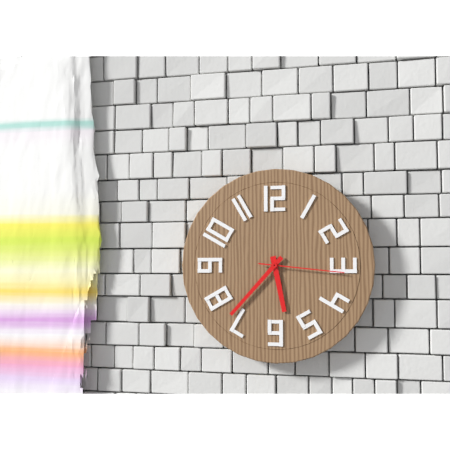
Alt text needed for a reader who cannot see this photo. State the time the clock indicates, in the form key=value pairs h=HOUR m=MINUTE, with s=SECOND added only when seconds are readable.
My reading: h=5 m=37 s=16
